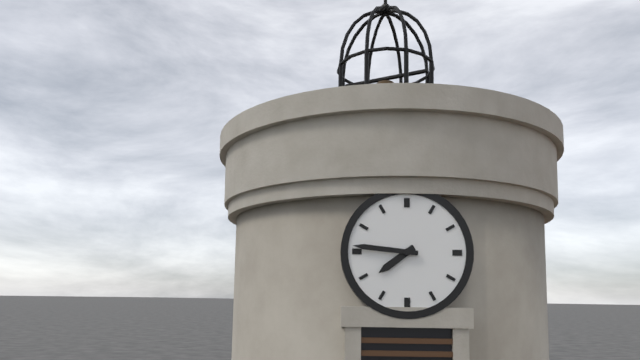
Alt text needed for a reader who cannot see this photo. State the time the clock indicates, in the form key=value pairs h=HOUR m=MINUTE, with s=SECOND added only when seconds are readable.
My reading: h=7 m=46
